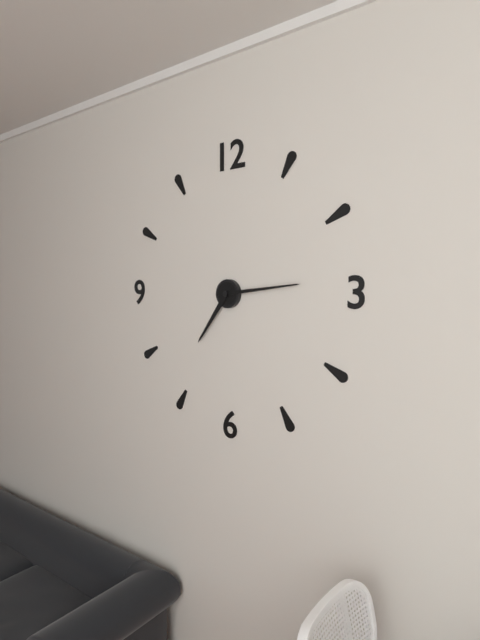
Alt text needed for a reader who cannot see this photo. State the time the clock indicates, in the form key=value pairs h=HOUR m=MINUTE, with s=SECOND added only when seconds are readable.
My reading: h=7 m=14
